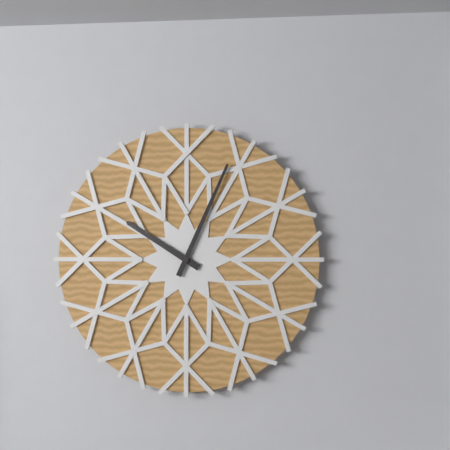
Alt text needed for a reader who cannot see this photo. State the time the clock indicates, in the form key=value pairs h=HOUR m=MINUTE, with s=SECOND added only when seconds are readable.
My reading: h=10 m=4
